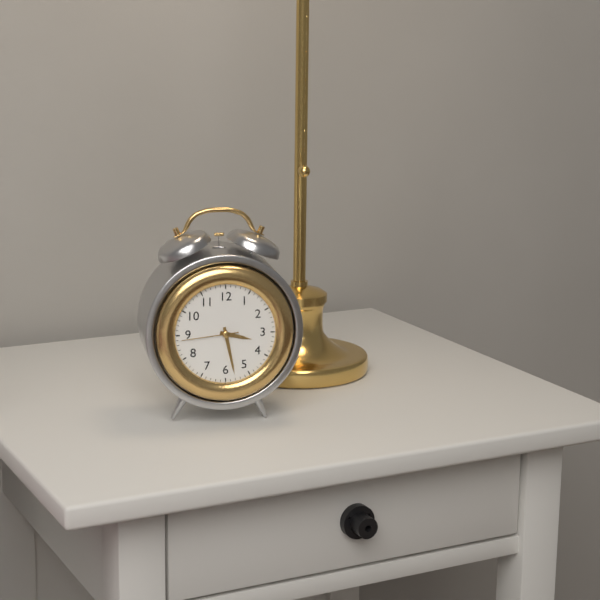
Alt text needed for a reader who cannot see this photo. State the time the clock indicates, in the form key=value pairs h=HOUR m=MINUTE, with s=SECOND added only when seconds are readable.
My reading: h=3 m=28 s=44
